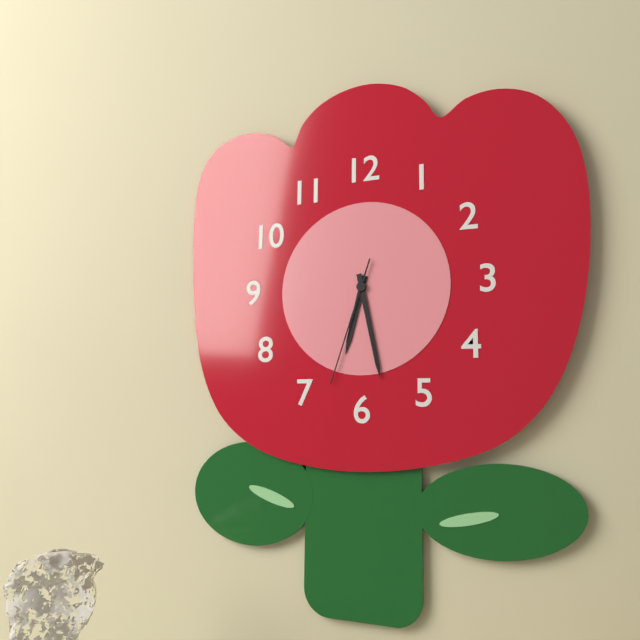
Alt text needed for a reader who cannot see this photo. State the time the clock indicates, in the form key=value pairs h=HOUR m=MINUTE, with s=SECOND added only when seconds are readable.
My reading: h=6 m=28 s=33
